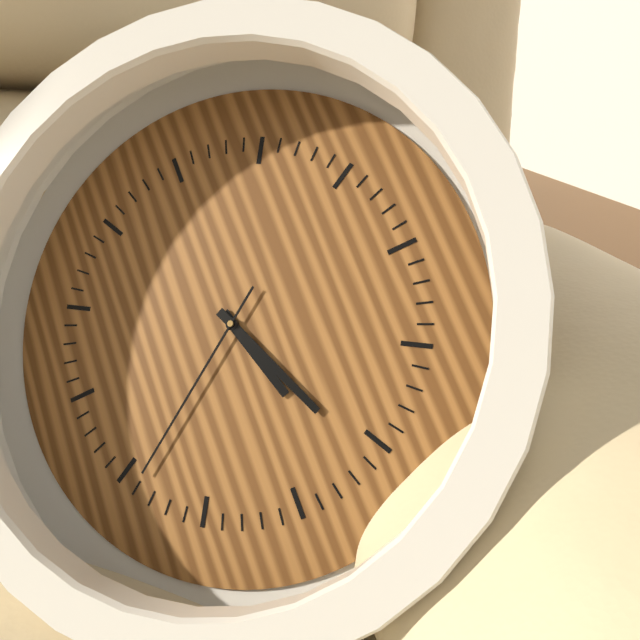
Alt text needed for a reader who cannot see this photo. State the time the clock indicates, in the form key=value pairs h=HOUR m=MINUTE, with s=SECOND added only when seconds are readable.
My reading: h=5 m=26 s=39
